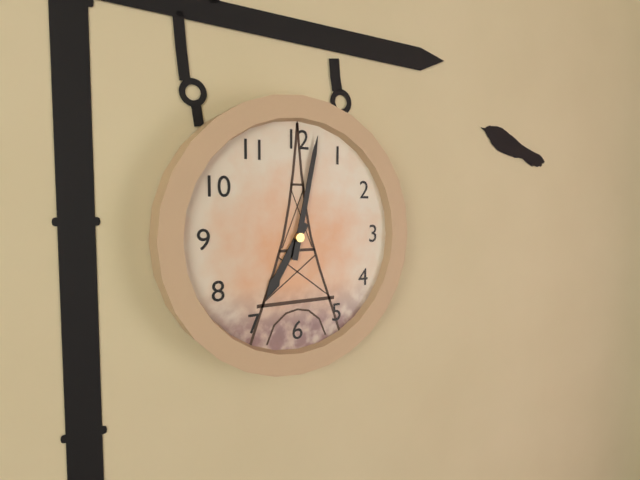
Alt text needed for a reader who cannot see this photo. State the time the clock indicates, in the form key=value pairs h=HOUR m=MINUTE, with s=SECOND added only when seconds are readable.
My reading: h=7 m=2
